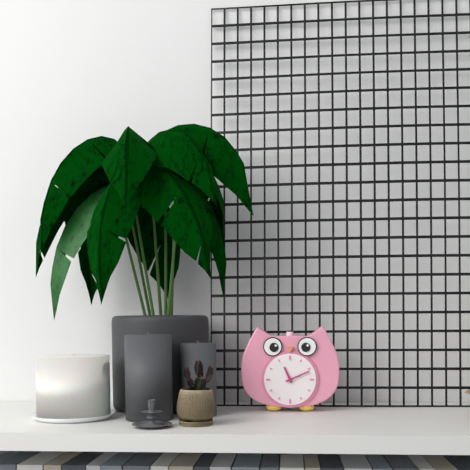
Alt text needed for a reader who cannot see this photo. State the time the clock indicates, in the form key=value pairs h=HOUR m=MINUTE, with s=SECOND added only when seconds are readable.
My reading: h=11 m=11
